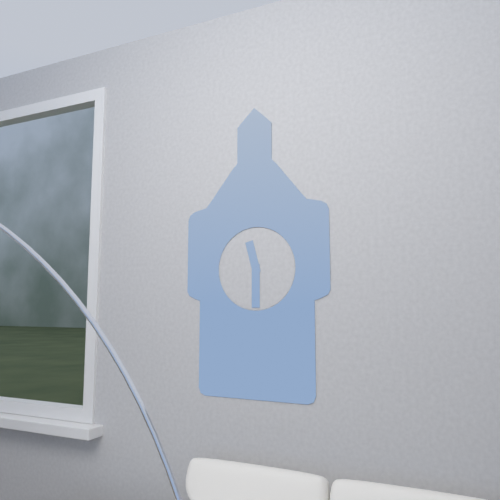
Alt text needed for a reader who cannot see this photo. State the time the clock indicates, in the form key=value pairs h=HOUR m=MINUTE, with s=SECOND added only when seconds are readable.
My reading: h=11 m=30
